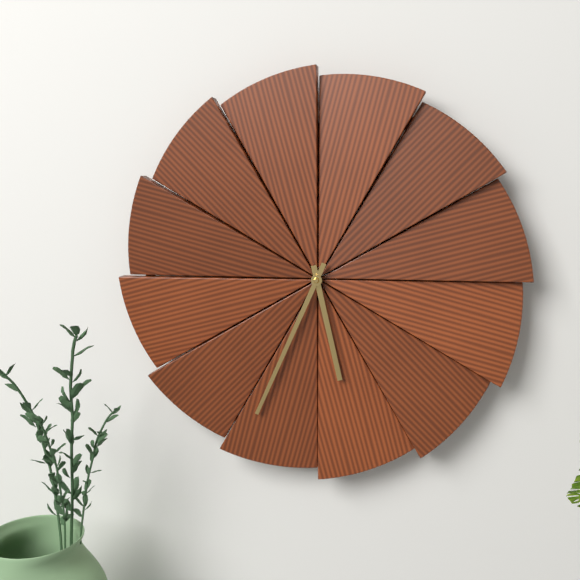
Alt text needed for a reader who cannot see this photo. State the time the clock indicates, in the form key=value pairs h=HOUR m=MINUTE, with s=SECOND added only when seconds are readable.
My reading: h=5 m=34
